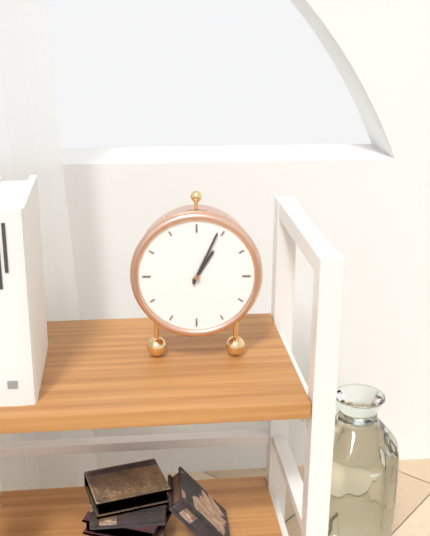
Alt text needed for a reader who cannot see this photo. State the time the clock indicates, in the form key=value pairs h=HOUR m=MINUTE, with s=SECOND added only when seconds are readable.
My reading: h=1 m=4
